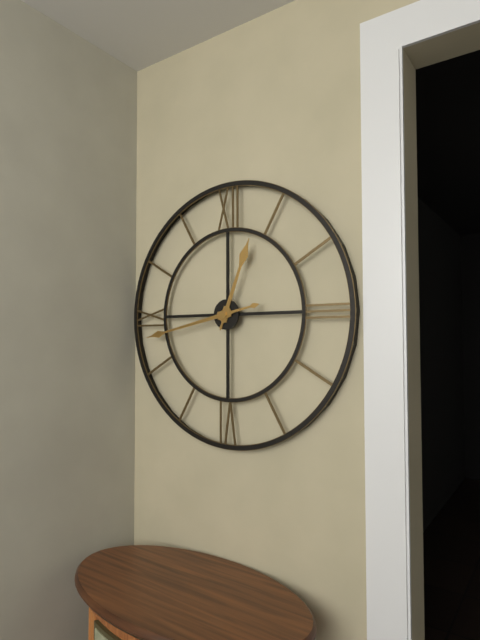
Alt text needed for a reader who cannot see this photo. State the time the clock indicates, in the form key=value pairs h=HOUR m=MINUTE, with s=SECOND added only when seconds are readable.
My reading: h=12 m=43
